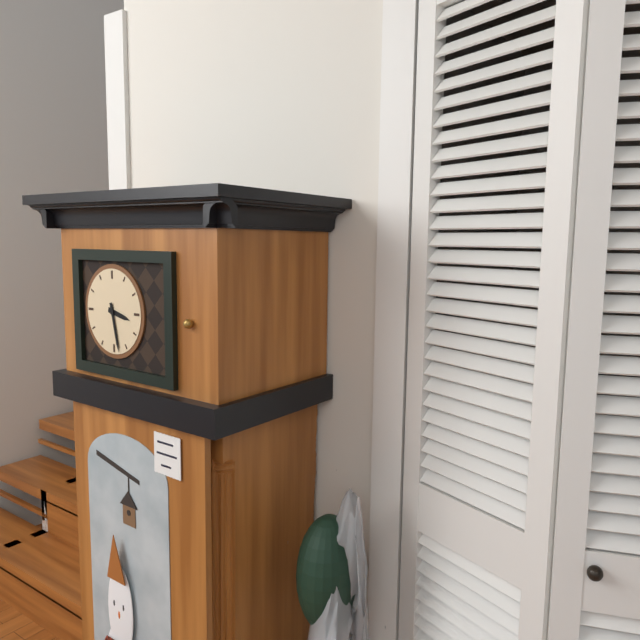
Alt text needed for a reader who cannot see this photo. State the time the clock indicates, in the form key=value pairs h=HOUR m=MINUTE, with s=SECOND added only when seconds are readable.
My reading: h=3 m=28
